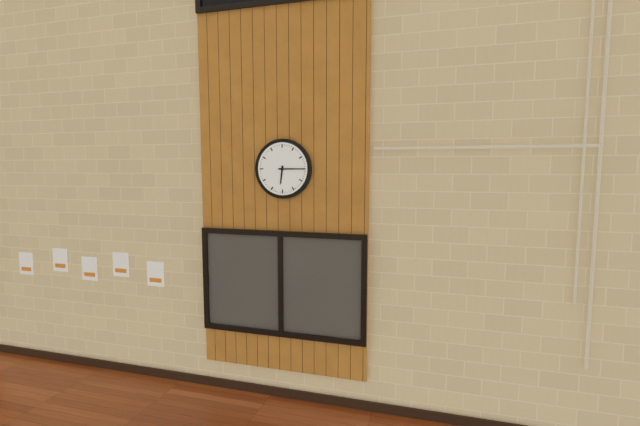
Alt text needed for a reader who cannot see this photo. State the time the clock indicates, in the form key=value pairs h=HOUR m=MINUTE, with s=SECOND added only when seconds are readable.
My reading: h=6 m=15
